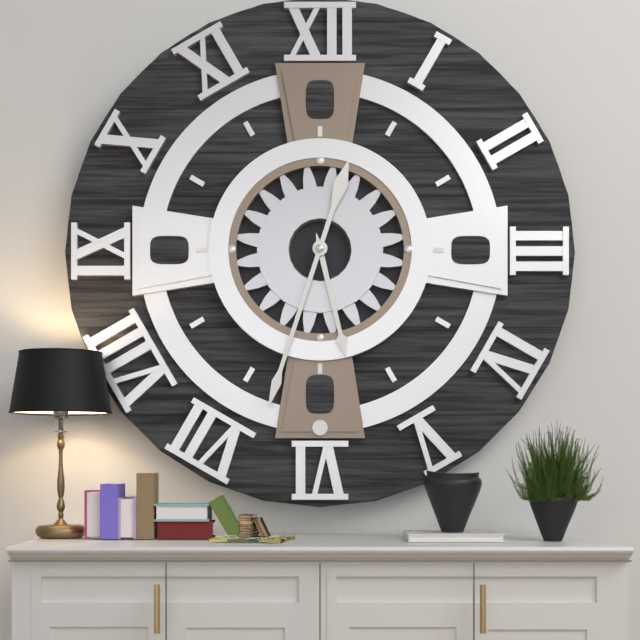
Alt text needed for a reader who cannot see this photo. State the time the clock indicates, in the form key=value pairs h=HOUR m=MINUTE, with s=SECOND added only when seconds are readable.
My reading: h=5 m=33
